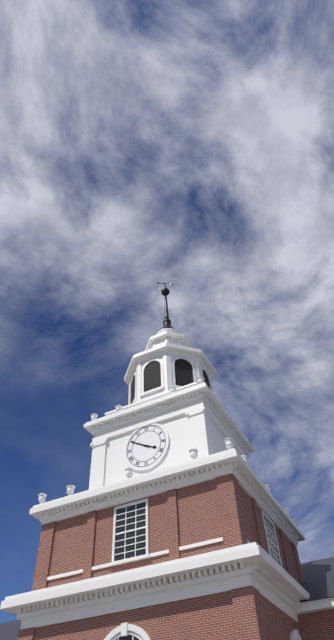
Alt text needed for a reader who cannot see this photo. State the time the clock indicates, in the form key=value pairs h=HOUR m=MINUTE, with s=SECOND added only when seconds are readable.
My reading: h=3 m=50
